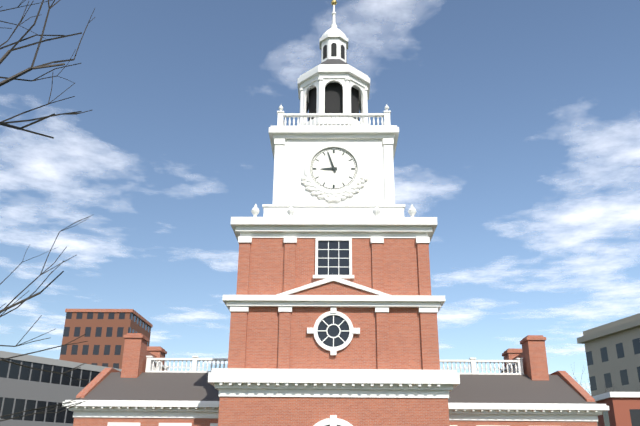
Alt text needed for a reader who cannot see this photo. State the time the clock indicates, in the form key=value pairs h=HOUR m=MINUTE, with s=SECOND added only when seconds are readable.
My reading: h=8 m=57
